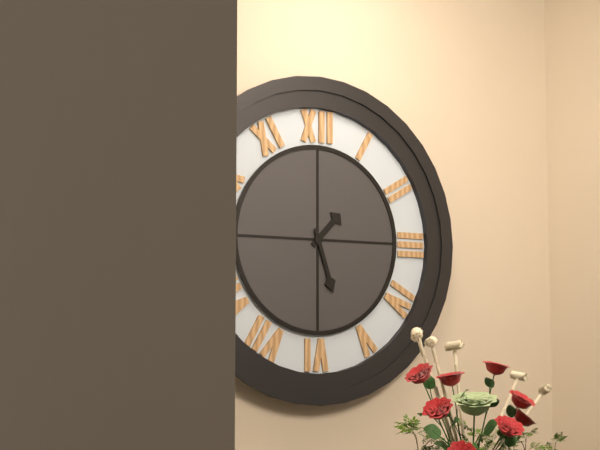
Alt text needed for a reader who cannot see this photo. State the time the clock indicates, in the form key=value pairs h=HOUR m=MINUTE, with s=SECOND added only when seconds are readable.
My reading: h=1 m=27
